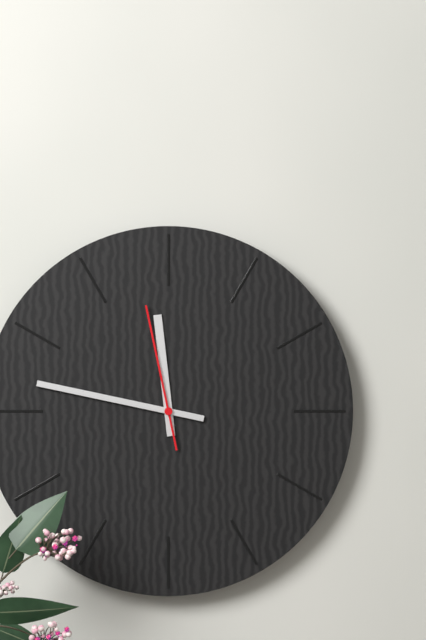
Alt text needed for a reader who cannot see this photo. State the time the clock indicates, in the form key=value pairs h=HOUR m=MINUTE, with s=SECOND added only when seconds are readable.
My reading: h=11 m=47 s=58
